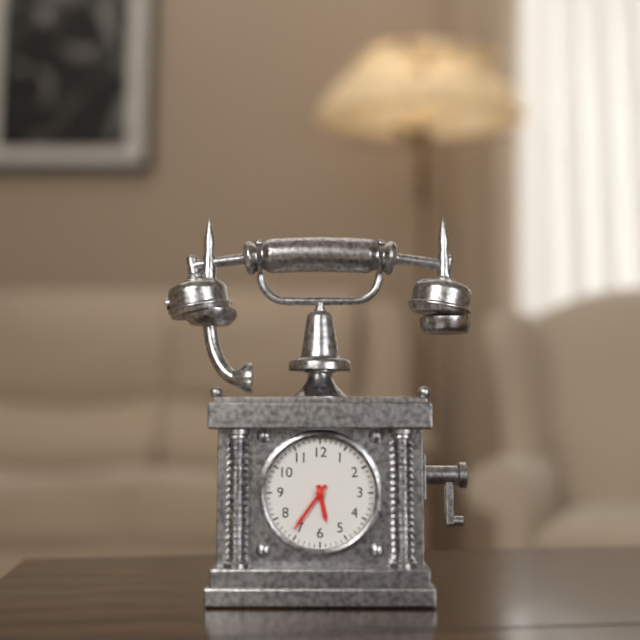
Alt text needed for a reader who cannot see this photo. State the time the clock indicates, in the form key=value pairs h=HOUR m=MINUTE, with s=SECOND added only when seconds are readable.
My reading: h=5 m=36
